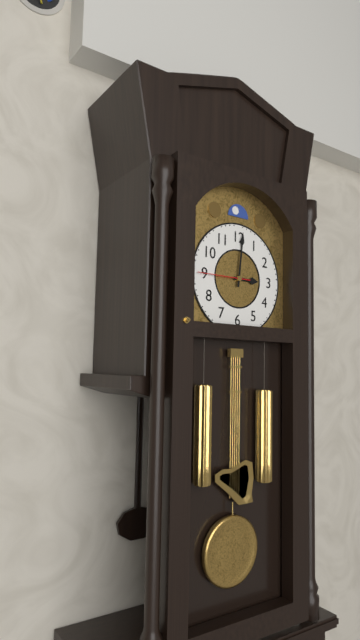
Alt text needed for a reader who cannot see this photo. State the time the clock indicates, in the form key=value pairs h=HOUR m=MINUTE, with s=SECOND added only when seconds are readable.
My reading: h=3 m=1 s=45
